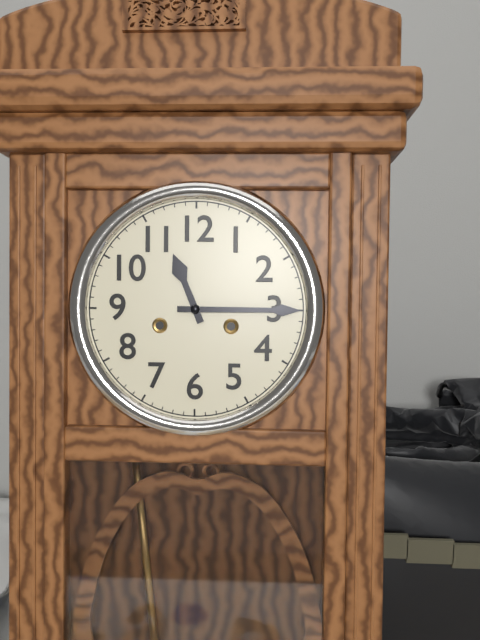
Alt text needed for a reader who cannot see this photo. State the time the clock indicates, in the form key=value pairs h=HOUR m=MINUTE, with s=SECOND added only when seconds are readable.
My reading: h=11 m=15
